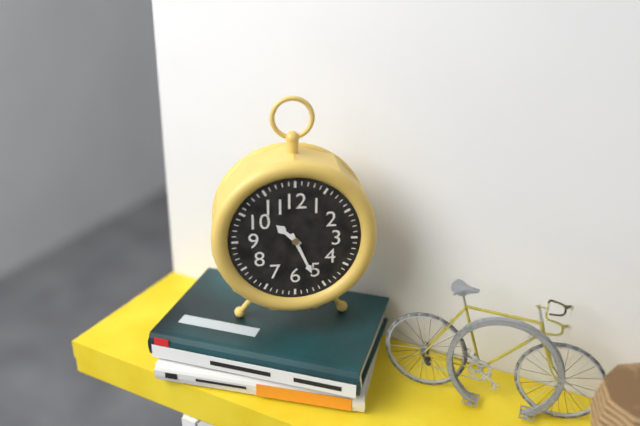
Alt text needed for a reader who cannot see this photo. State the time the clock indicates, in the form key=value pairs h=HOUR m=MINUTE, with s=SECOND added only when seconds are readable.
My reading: h=10 m=26
